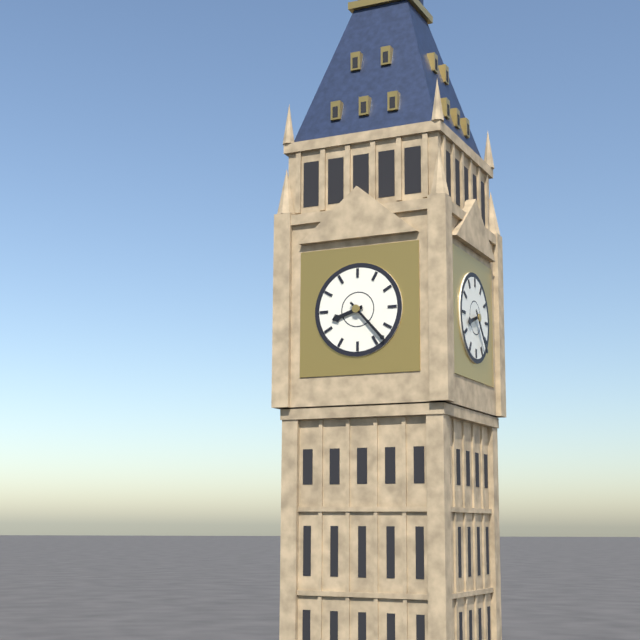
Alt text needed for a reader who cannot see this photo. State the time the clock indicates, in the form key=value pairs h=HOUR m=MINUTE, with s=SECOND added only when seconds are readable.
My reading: h=8 m=23
